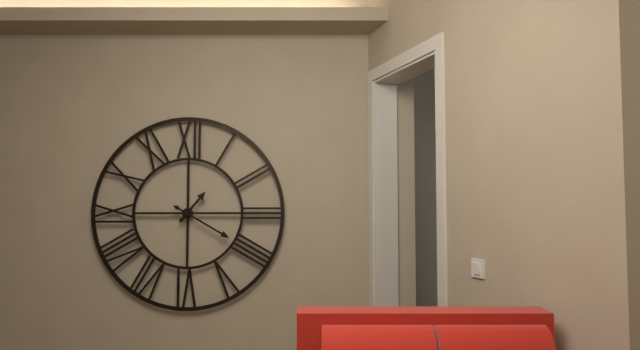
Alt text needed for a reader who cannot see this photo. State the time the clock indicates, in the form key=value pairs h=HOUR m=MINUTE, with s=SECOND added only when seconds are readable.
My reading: h=1 m=20
